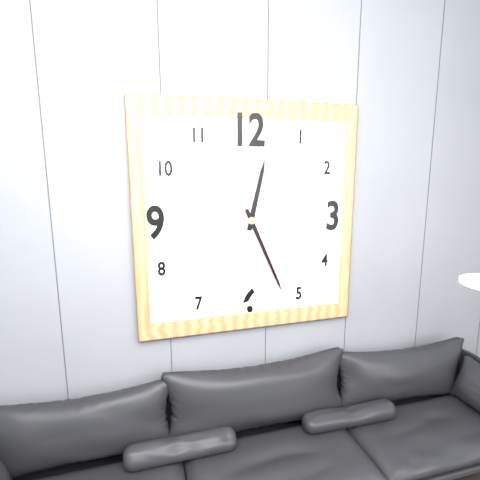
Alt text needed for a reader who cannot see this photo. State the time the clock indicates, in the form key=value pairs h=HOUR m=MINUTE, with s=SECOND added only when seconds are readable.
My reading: h=12 m=26
